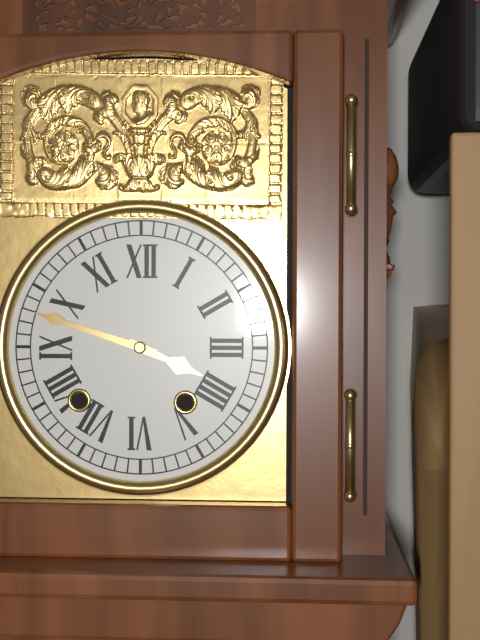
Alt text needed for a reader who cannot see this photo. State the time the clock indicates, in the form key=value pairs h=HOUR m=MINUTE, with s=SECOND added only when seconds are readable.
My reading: h=3 m=48
